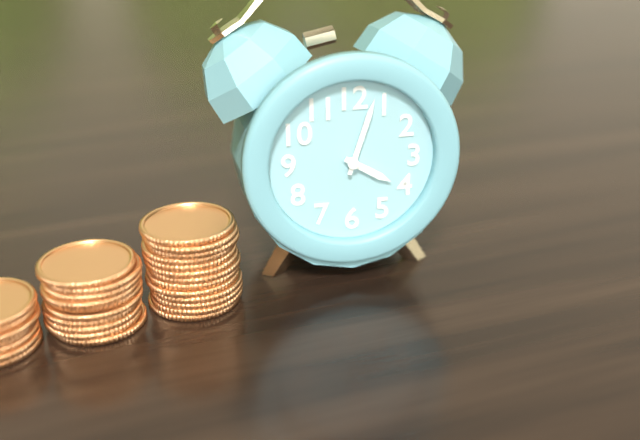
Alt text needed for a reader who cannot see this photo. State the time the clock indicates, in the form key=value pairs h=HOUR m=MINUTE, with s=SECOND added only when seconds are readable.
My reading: h=4 m=3
